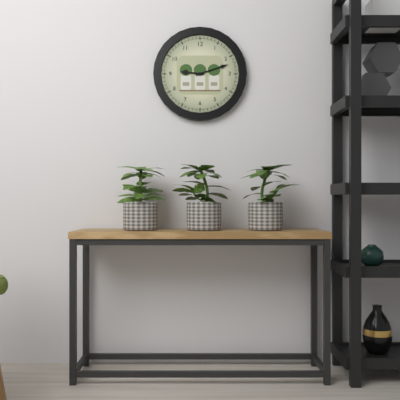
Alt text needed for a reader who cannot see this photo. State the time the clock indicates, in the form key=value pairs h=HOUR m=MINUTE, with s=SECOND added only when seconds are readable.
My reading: h=9 m=12
